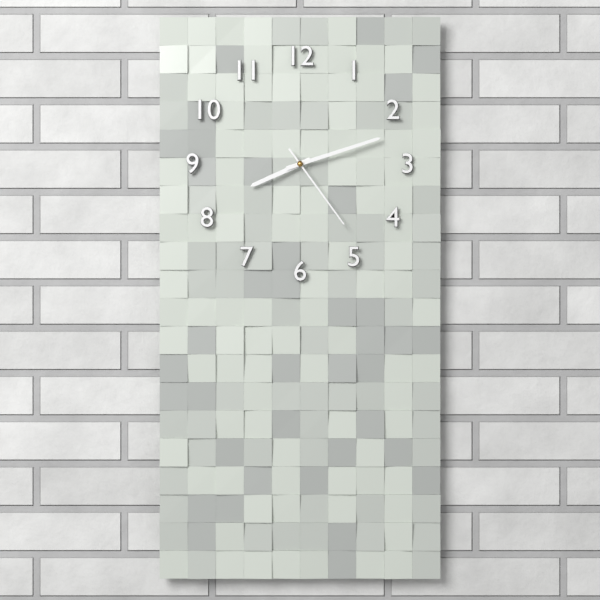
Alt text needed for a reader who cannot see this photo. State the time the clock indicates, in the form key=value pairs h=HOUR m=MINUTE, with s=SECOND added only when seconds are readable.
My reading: h=8 m=12 s=24
